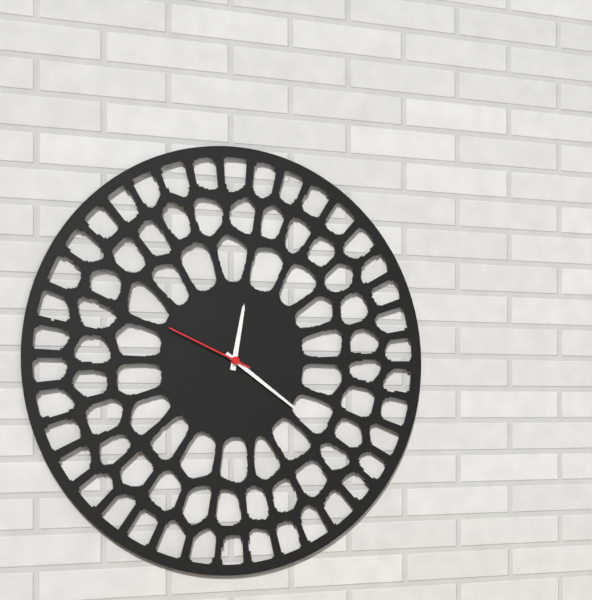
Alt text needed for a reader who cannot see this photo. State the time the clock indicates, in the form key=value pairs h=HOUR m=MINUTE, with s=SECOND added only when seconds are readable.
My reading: h=12 m=21 s=49
